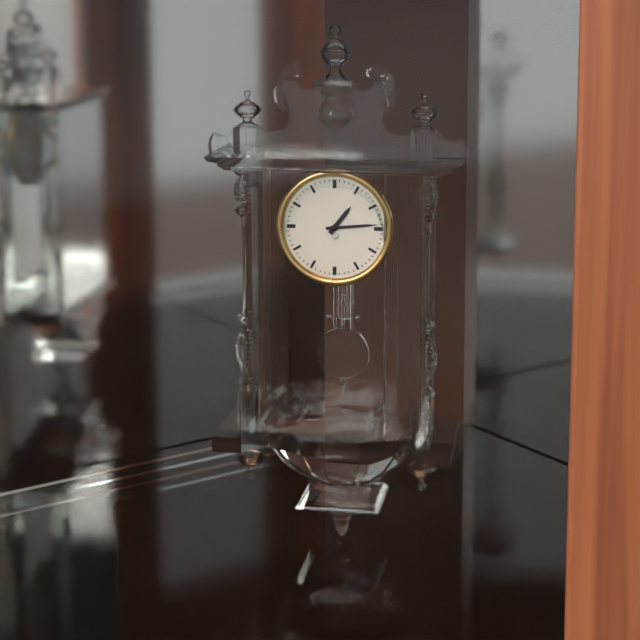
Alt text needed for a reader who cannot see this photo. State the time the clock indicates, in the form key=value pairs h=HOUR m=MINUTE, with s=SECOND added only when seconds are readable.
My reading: h=1 m=14
